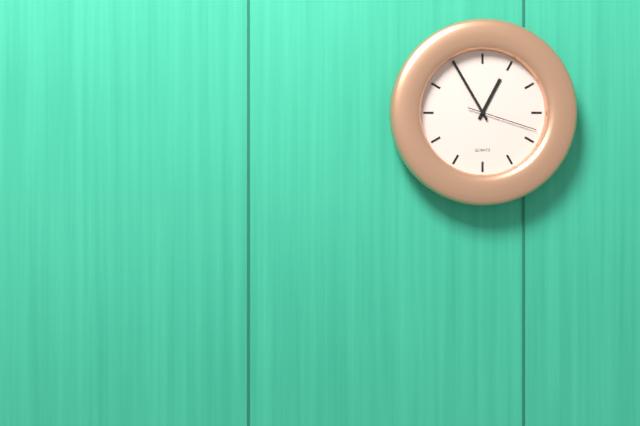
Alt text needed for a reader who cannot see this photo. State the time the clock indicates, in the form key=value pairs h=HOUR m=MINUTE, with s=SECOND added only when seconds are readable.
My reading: h=12 m=55 s=18
